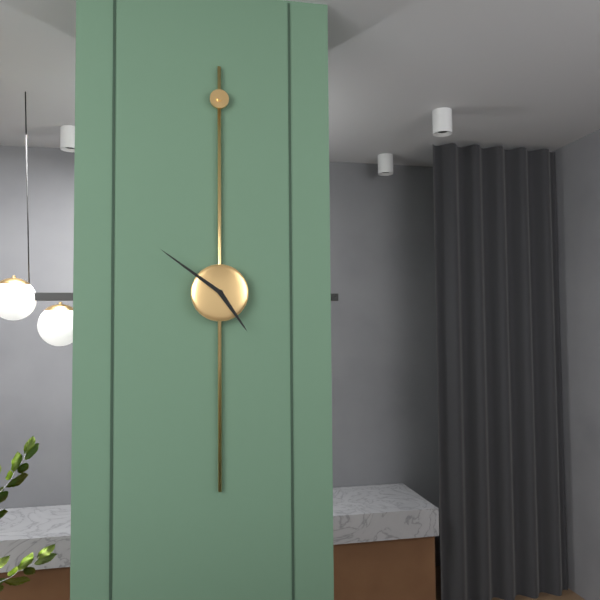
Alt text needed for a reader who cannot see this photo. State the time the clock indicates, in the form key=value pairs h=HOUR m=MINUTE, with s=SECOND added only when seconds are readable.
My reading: h=4 m=51
